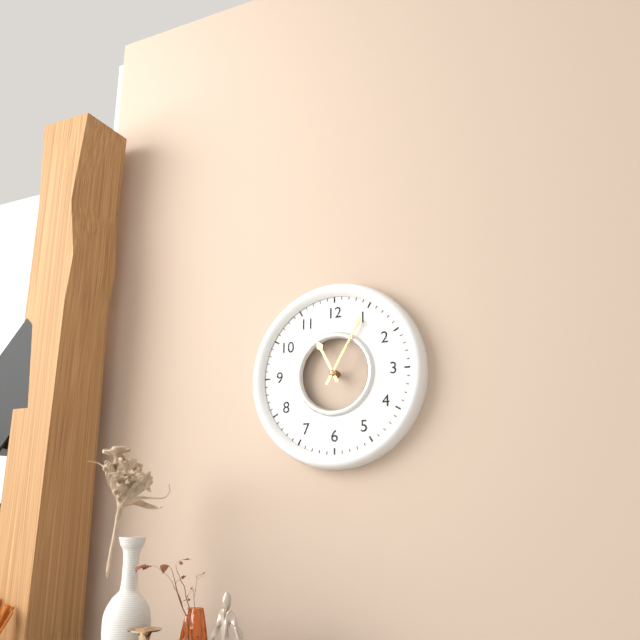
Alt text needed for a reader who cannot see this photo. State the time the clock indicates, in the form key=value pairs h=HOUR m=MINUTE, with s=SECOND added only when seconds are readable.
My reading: h=11 m=5
